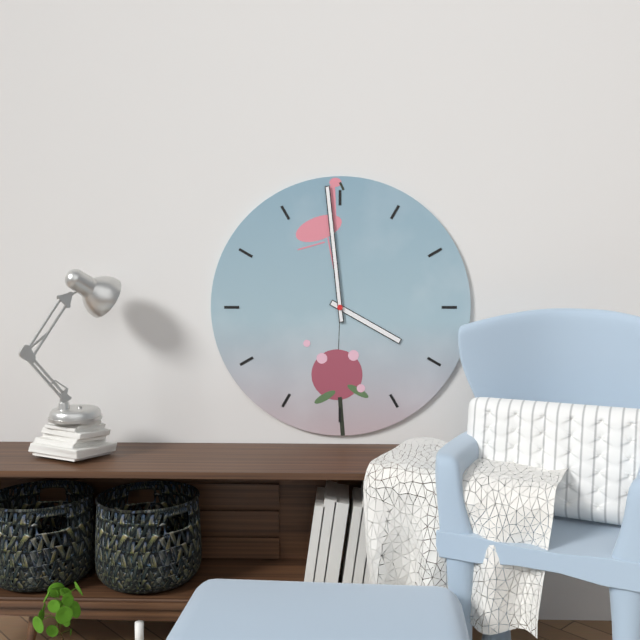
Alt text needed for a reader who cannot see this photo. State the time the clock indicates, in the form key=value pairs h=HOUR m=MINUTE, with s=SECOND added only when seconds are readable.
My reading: h=3 m=59
